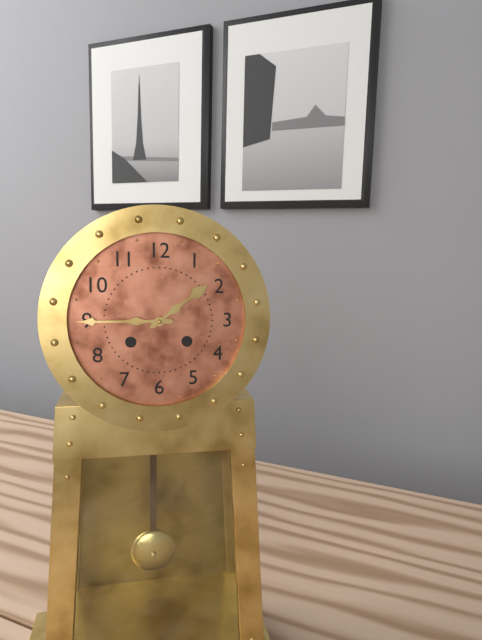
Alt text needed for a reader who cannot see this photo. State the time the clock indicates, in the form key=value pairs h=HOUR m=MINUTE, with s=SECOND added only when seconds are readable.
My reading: h=1 m=45
